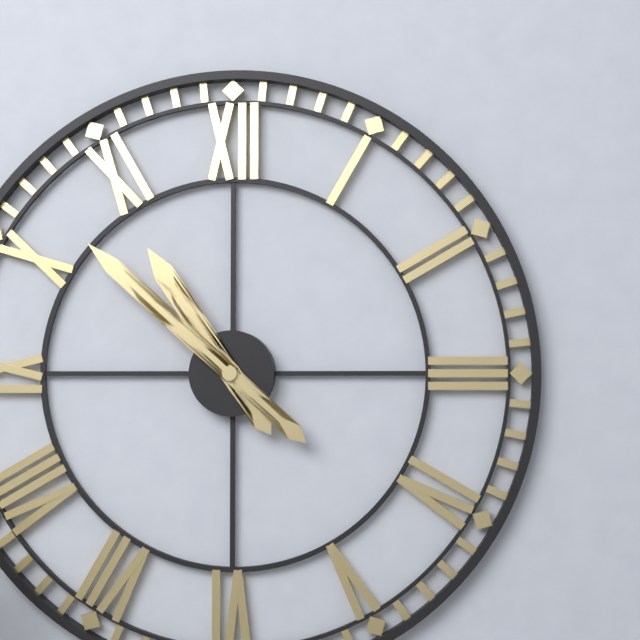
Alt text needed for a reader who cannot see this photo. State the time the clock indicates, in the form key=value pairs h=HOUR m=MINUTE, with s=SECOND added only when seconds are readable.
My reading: h=10 m=52
